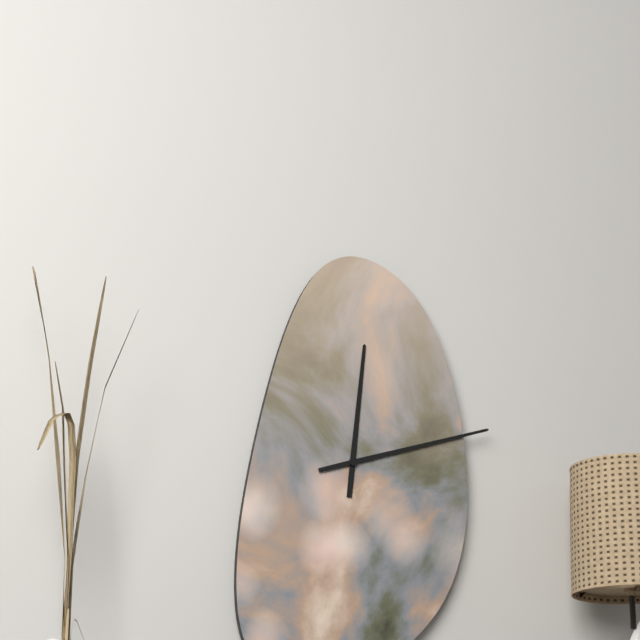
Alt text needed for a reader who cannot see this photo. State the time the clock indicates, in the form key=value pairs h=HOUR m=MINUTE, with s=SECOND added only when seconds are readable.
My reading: h=12 m=12
